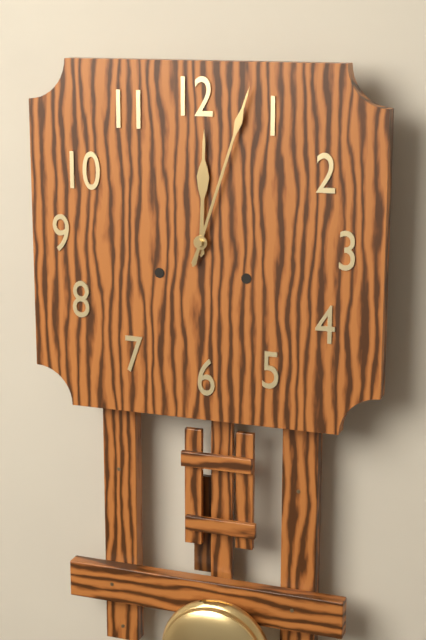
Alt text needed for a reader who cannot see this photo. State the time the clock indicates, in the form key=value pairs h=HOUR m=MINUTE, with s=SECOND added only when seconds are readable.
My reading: h=12 m=3
